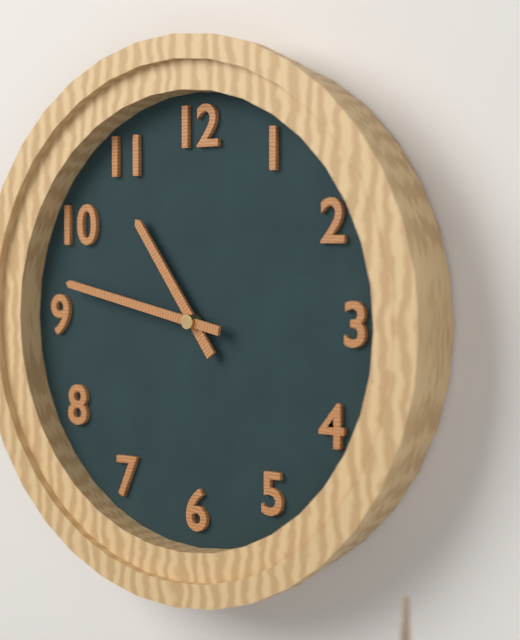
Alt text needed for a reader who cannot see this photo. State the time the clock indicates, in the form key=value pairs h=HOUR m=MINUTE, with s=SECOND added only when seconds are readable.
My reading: h=10 m=47
